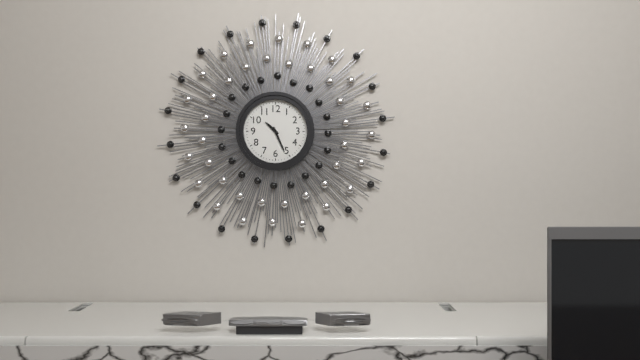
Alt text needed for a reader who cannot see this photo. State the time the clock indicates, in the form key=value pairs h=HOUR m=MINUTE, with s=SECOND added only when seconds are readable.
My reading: h=10 m=26
